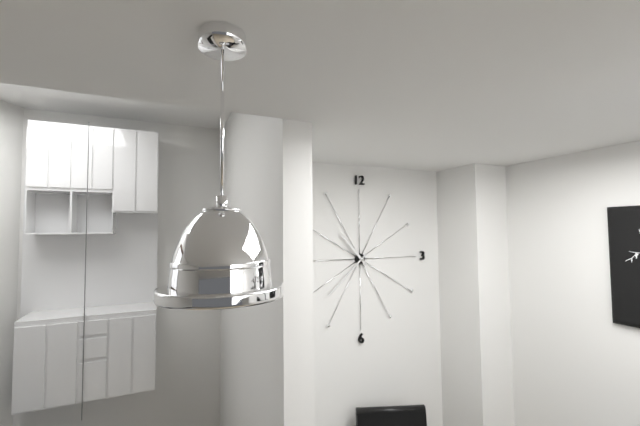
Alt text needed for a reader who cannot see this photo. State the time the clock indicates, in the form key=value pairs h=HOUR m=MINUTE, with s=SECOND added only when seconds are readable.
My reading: h=10 m=38
